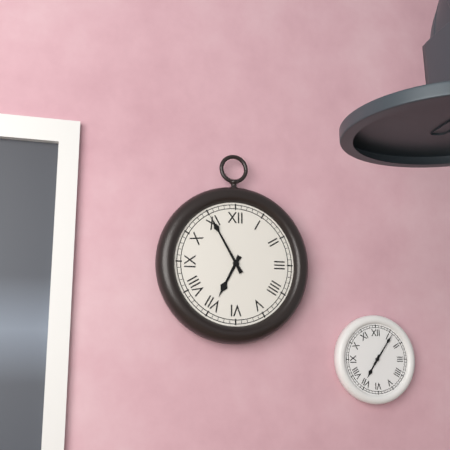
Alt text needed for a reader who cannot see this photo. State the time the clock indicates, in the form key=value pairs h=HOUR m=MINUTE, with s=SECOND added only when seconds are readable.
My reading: h=6 m=55
